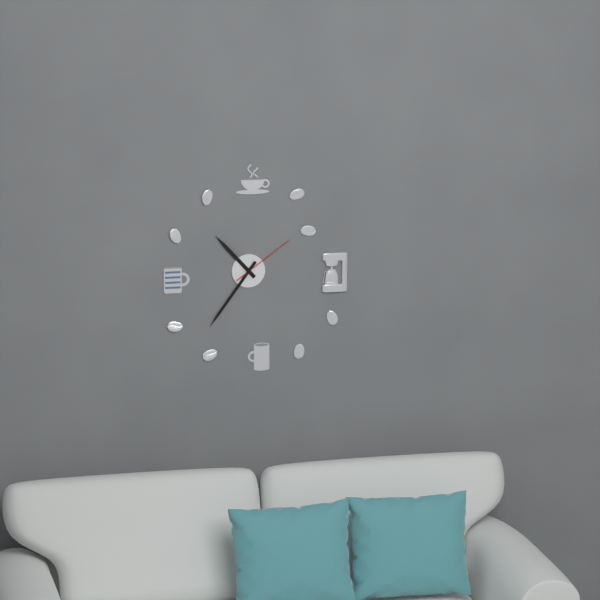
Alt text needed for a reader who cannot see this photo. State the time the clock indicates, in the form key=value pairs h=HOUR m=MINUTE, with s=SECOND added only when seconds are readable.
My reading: h=10 m=36 s=9
